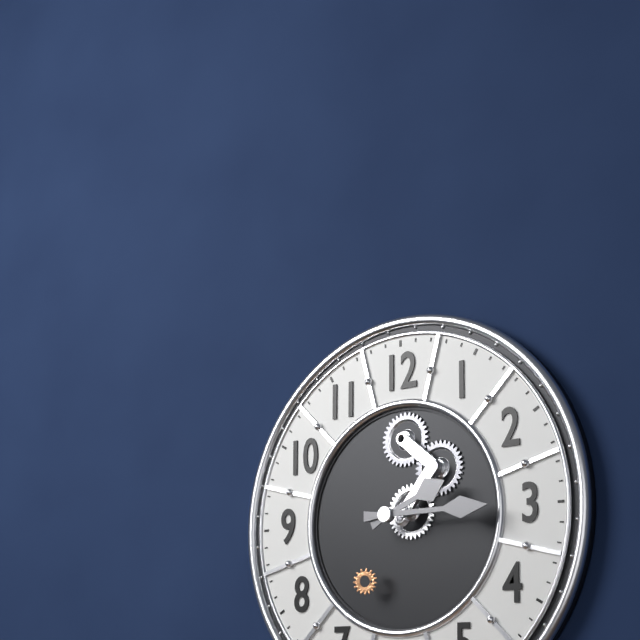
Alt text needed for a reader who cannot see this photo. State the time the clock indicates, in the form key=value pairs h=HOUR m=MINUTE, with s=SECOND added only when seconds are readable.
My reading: h=2 m=15
